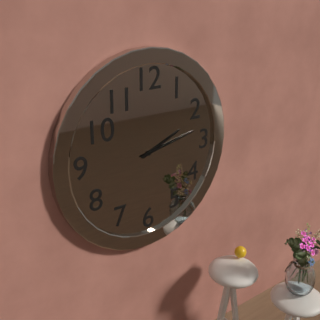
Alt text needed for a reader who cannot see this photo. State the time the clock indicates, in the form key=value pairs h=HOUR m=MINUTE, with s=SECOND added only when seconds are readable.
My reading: h=2 m=13
